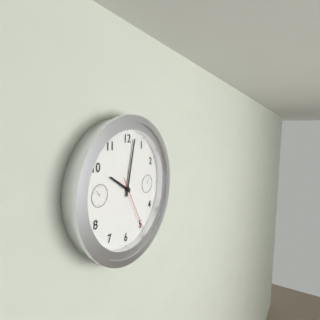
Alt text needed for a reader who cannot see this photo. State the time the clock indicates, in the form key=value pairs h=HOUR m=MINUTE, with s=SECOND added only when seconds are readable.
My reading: h=10 m=2 s=25
